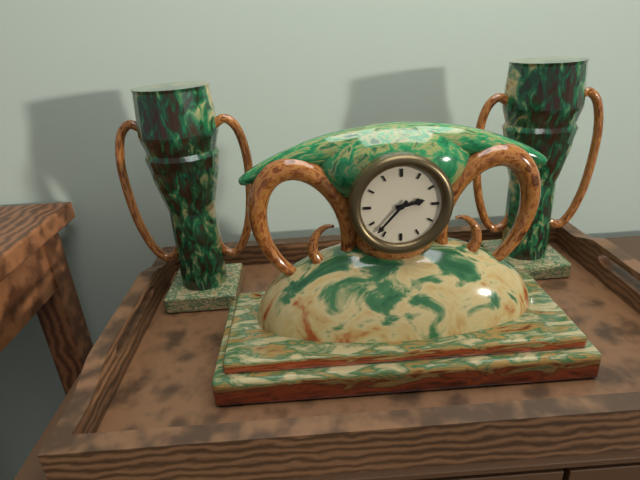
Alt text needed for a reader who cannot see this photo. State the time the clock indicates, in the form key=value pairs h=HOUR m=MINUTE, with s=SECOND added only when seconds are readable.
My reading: h=2 m=37
